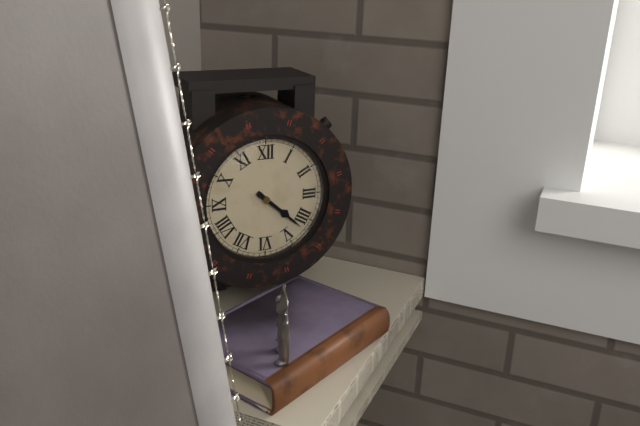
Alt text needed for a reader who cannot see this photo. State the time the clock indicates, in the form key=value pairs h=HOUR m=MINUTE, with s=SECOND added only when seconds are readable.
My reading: h=4 m=22
